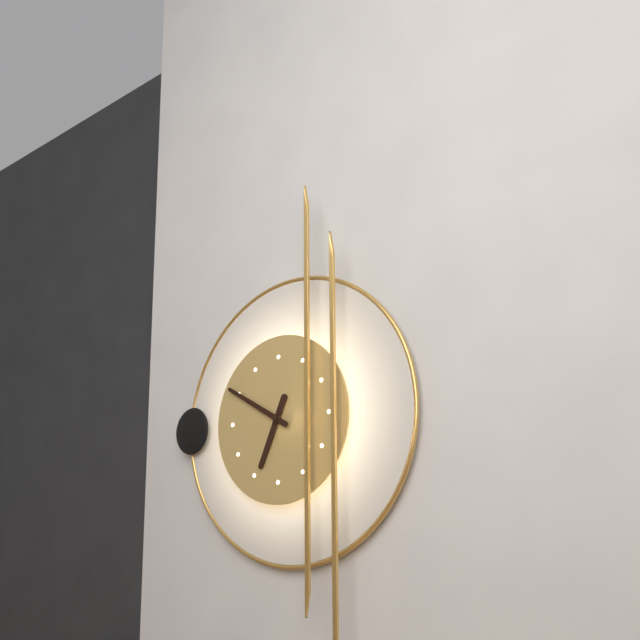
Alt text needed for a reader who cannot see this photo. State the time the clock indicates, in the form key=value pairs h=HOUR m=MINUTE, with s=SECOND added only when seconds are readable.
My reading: h=6 m=50
